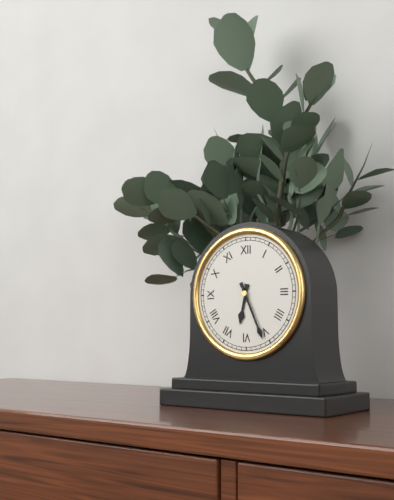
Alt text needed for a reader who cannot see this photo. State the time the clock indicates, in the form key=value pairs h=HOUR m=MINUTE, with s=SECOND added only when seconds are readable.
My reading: h=6 m=26
